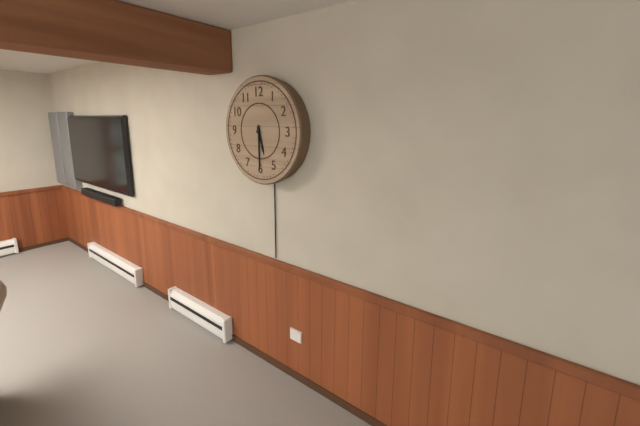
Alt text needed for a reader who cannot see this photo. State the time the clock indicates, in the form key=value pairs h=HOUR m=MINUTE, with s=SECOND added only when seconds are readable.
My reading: h=5 m=30
